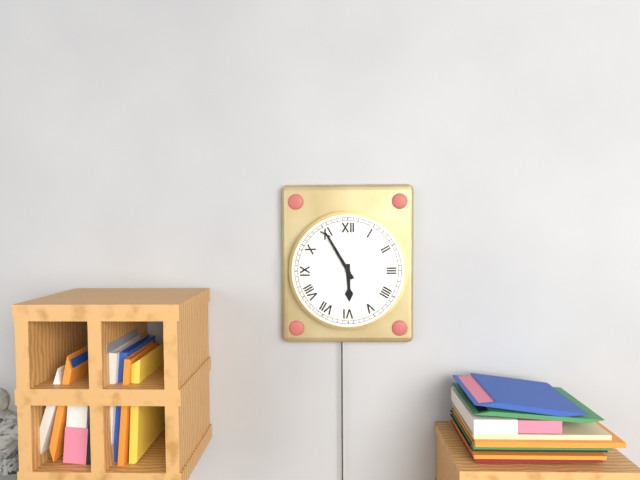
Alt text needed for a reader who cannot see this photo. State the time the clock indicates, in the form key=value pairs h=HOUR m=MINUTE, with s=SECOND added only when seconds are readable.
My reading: h=5 m=55
